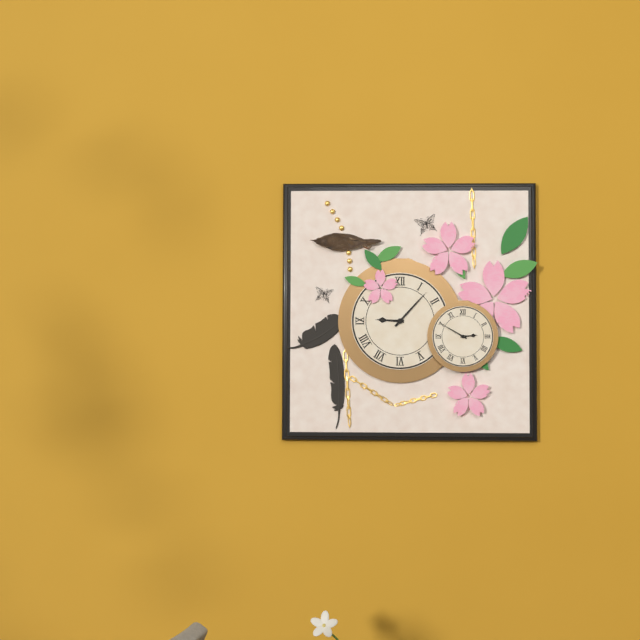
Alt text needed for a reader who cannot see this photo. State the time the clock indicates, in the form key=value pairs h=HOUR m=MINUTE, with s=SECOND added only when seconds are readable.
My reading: h=9 m=7
